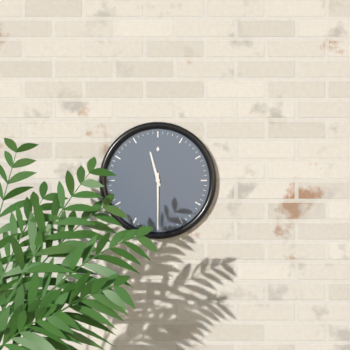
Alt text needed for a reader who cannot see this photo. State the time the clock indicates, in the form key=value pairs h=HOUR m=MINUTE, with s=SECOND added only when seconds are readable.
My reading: h=11 m=30
